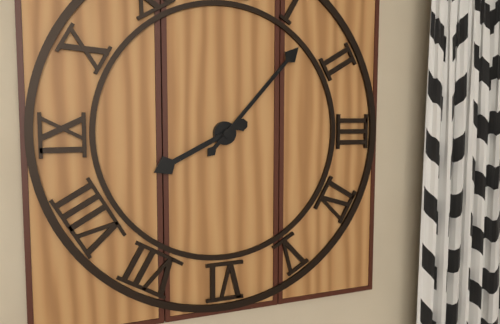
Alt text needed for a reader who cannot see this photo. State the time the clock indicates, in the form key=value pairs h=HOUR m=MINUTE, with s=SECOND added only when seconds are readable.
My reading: h=8 m=7
